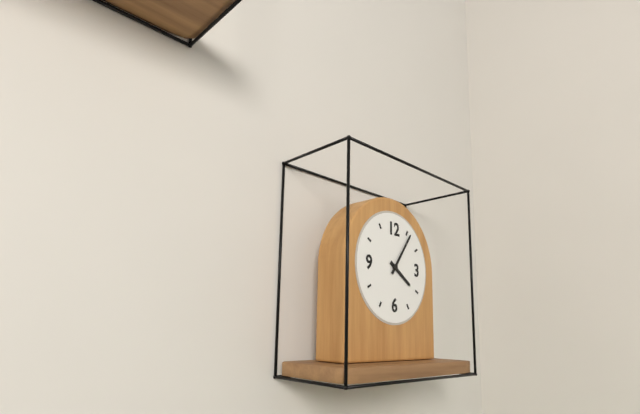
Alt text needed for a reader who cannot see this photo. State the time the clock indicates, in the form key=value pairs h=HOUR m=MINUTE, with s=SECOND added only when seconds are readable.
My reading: h=4 m=6
